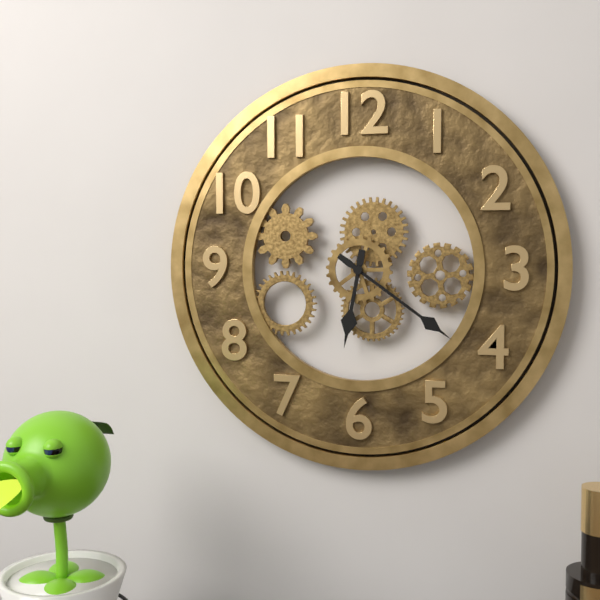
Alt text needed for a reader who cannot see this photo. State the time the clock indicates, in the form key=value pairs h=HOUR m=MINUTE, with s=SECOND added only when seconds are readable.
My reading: h=6 m=21
